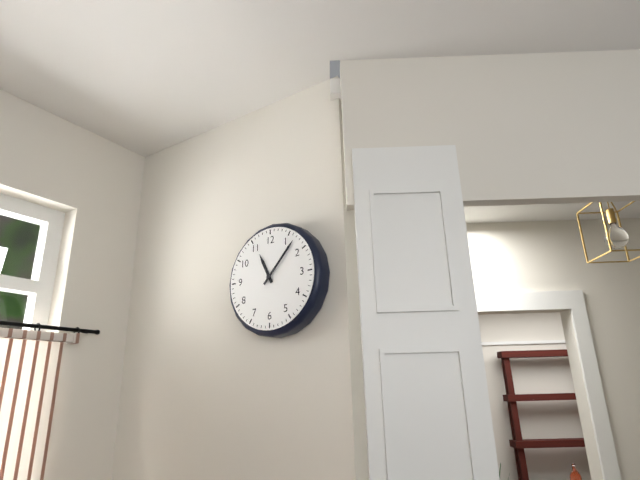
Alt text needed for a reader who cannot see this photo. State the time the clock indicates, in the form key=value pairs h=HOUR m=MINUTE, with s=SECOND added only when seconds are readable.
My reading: h=11 m=7
